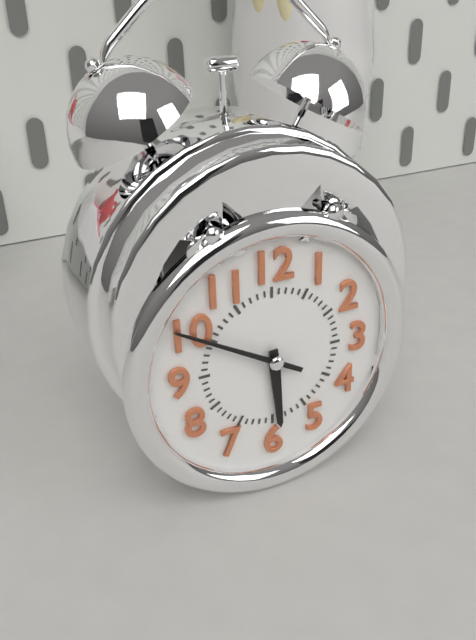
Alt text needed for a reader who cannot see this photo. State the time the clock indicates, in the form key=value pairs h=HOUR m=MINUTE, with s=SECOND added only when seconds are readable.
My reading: h=5 m=50
